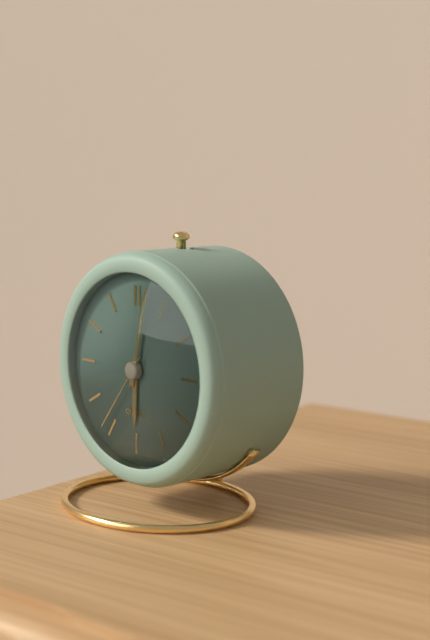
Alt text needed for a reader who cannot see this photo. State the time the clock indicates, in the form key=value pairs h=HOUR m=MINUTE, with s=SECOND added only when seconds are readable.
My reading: h=6 m=2 s=36
